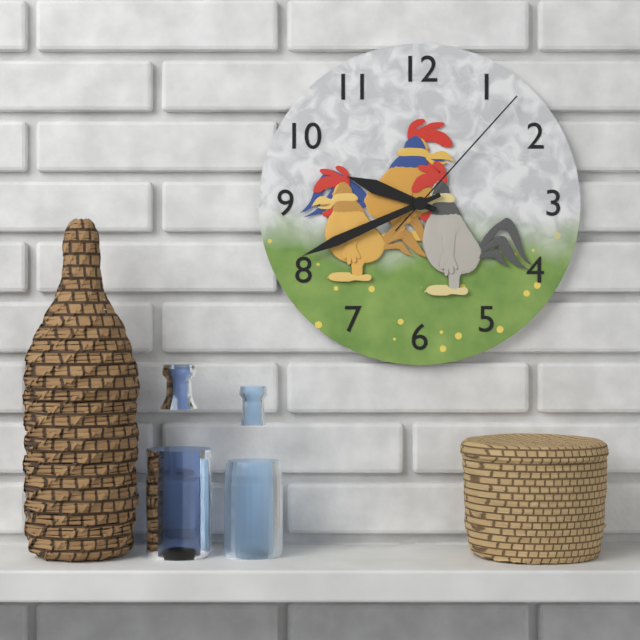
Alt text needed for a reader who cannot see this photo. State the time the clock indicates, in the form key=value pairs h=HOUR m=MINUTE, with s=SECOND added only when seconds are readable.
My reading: h=9 m=41 s=7
